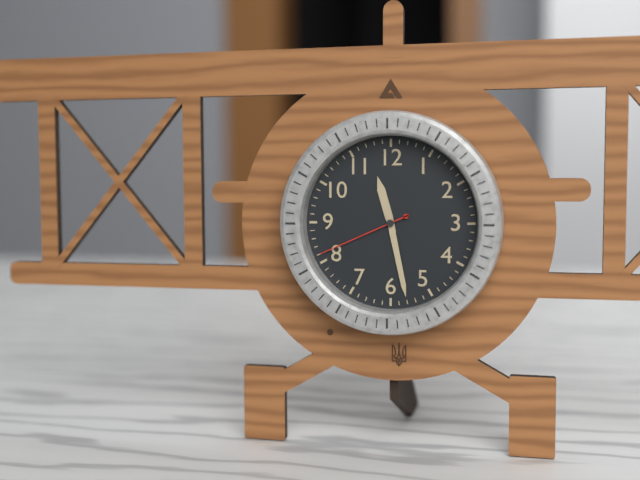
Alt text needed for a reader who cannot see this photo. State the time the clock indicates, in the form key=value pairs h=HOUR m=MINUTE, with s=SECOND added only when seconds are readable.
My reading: h=11 m=28 s=41
